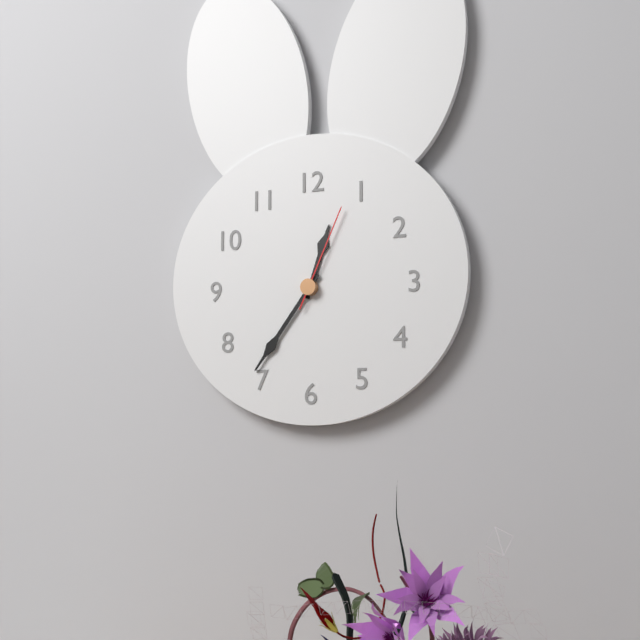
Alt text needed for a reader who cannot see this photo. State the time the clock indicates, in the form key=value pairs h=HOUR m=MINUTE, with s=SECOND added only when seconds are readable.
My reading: h=12 m=36 s=4
